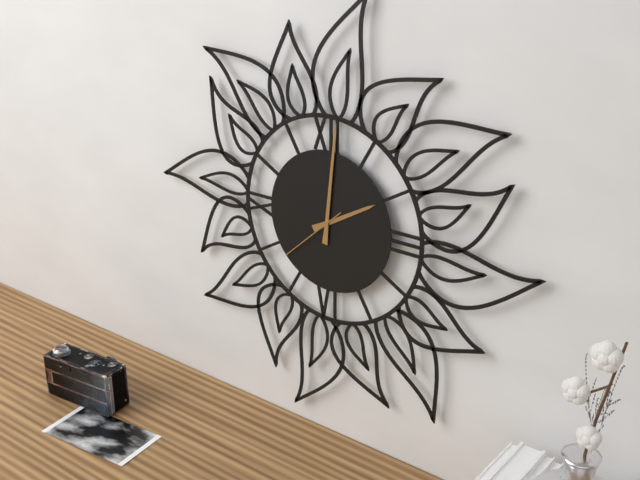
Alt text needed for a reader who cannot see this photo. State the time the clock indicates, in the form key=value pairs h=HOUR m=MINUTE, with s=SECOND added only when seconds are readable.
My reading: h=2 m=1 s=38
